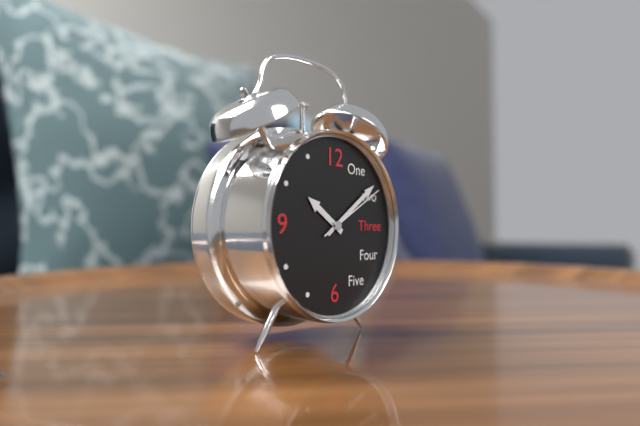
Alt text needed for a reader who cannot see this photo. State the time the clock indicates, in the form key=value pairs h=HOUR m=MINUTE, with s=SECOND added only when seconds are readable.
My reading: h=10 m=9 s=10
